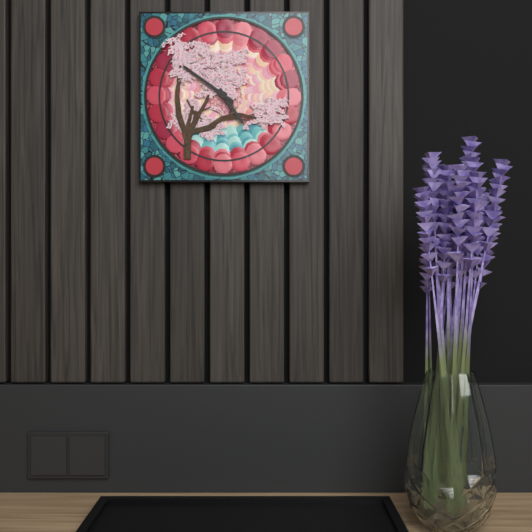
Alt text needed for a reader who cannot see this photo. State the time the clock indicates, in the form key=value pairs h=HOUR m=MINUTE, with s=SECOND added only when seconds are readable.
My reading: h=4 m=51
